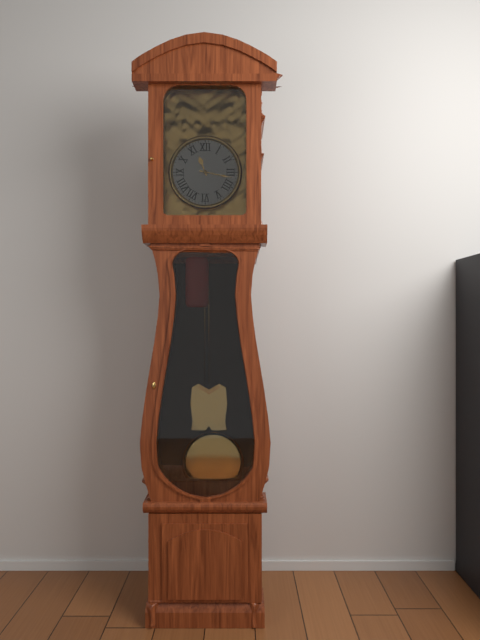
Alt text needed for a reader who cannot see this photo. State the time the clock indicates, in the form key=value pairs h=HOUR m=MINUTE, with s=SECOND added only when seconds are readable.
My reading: h=11 m=17
